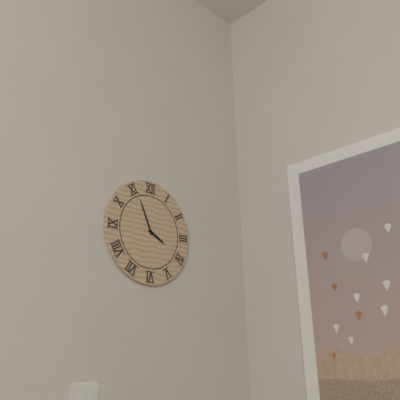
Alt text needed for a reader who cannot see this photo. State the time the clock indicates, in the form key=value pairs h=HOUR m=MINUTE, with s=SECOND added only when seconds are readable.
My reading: h=3 m=56
